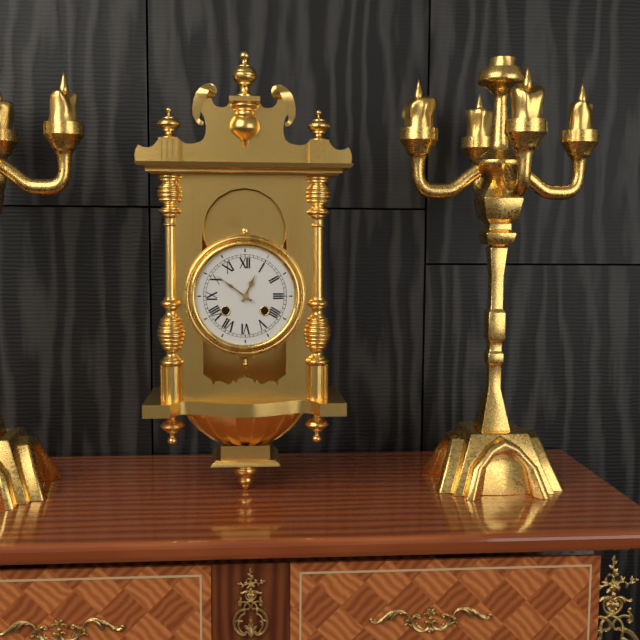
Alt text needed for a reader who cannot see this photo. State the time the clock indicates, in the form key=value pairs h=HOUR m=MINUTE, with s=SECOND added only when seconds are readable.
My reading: h=12 m=51
